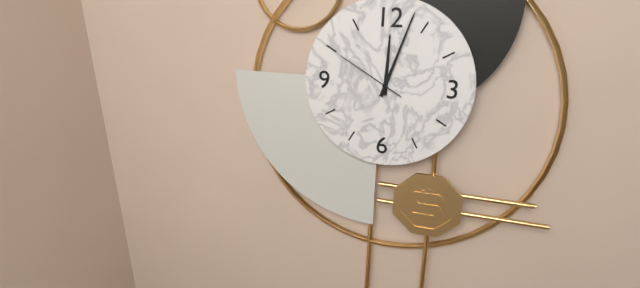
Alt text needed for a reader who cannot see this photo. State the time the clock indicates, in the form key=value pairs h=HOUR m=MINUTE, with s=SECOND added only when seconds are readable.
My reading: h=12 m=3 s=50
